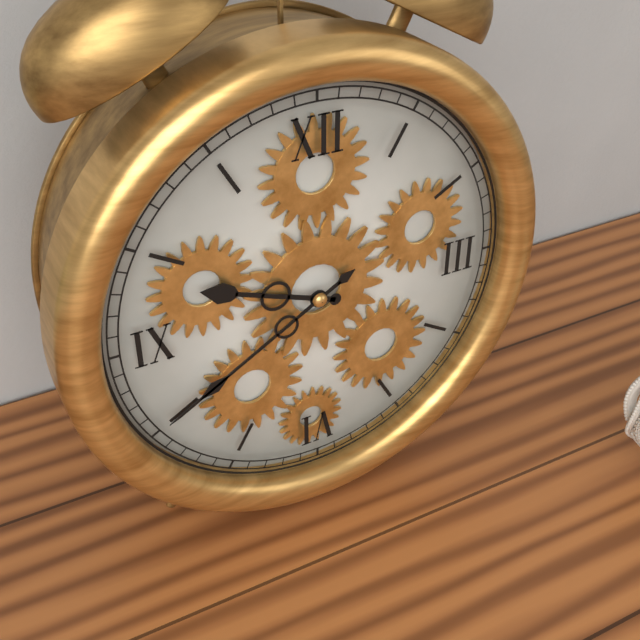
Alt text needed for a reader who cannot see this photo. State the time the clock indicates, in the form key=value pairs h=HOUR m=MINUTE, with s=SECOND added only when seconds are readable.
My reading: h=9 m=40
